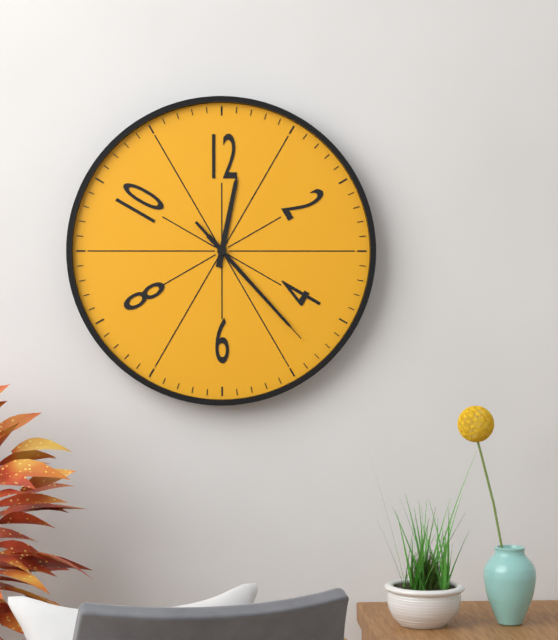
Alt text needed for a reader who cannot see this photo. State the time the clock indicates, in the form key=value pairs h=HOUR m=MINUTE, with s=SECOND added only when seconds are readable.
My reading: h=12 m=23 s=23
